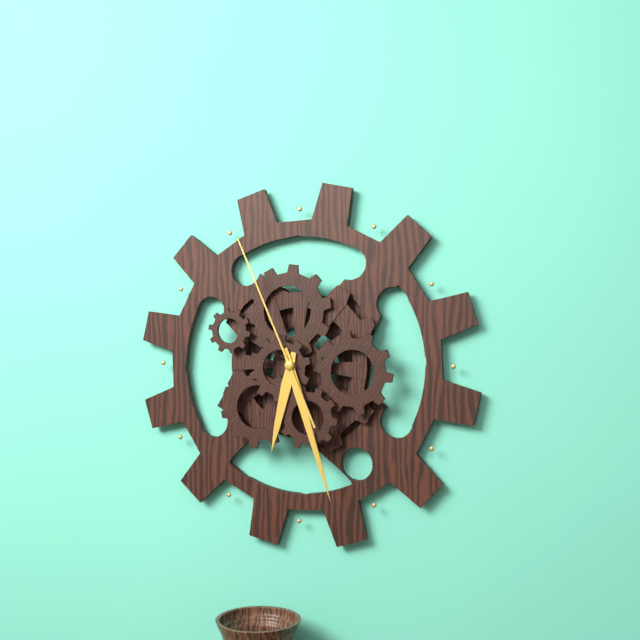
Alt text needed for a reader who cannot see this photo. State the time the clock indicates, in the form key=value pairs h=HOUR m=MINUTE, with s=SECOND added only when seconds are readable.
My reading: h=6 m=27 s=56
